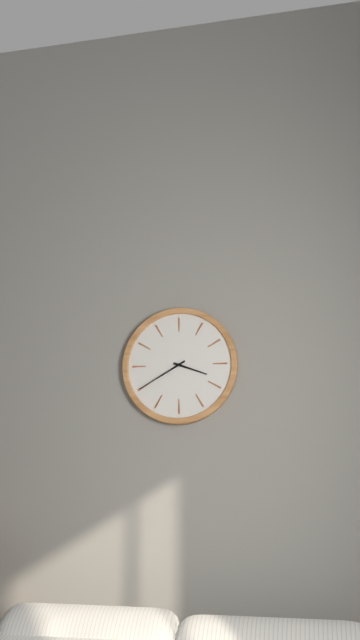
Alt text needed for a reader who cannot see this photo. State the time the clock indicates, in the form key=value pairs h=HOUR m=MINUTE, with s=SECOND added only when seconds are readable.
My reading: h=3 m=40
